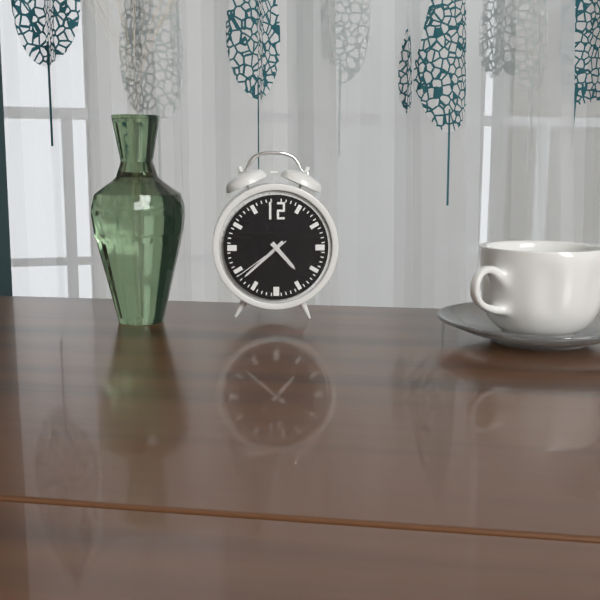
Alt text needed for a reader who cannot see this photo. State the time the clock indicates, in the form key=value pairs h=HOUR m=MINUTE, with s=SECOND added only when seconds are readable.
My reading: h=4 m=38 s=39
